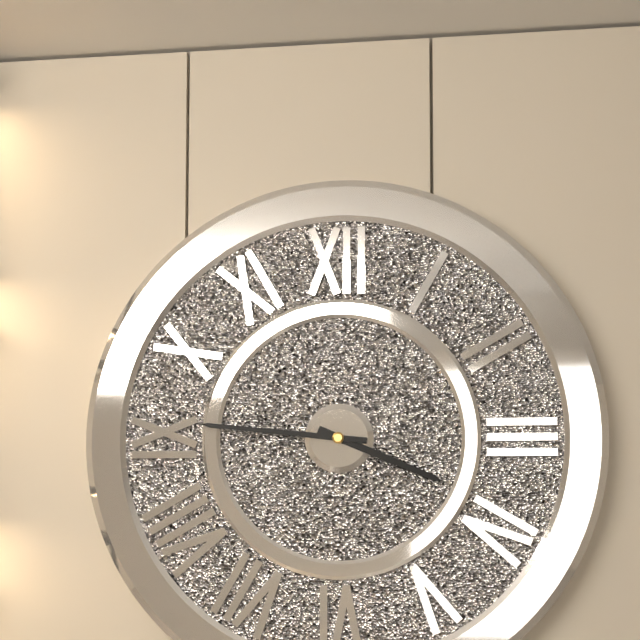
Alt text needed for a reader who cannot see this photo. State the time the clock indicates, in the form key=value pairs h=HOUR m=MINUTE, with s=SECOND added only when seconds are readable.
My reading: h=3 m=46
